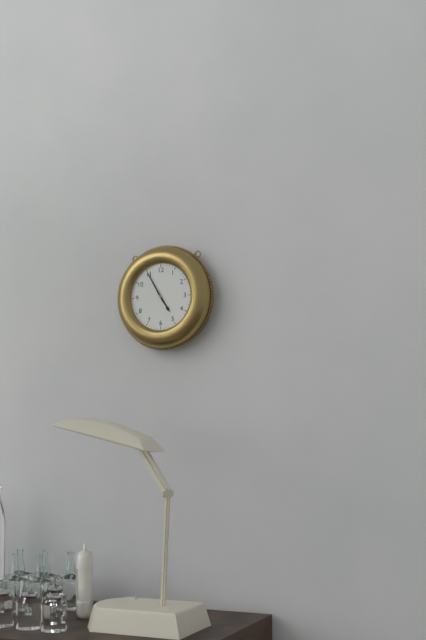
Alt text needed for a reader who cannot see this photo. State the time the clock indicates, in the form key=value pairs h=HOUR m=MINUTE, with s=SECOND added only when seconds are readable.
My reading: h=4 m=55
